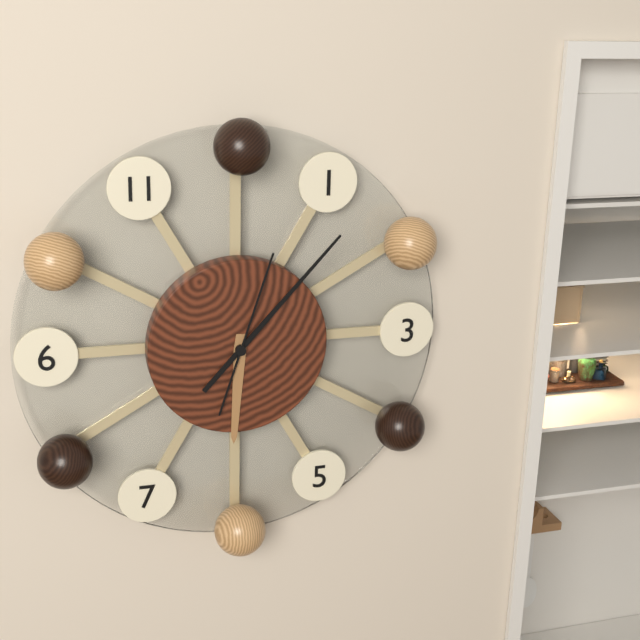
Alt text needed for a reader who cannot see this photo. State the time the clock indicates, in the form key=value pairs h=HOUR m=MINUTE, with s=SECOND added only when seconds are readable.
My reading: h=6 m=7 s=3
